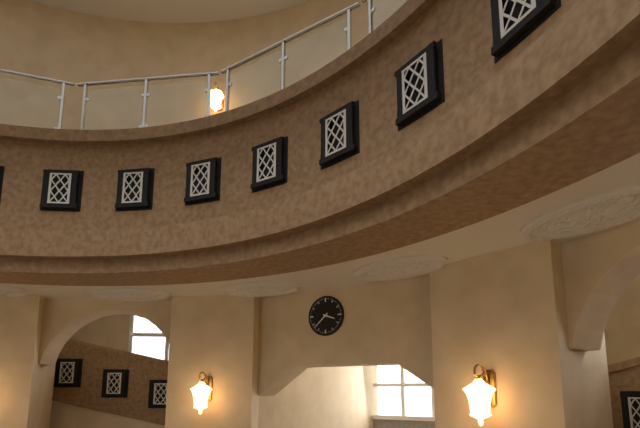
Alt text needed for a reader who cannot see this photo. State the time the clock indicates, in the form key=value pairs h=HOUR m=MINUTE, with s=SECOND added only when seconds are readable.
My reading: h=3 m=38
